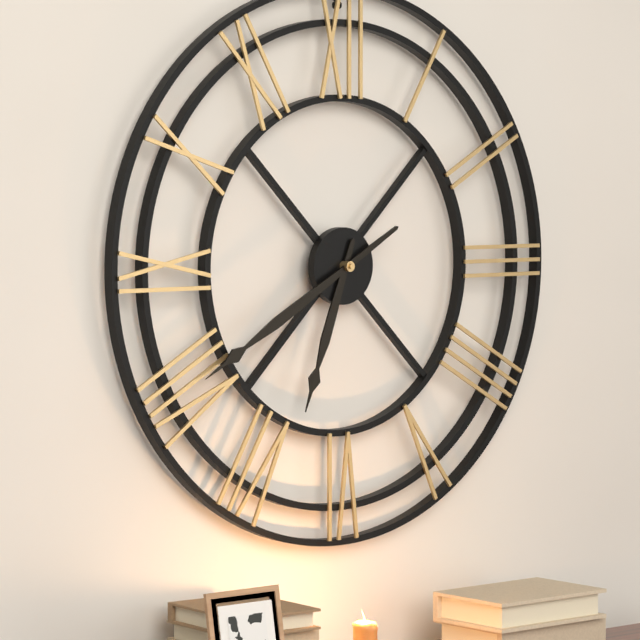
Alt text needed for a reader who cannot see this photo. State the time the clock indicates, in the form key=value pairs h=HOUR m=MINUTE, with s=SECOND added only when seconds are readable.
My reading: h=6 m=40
